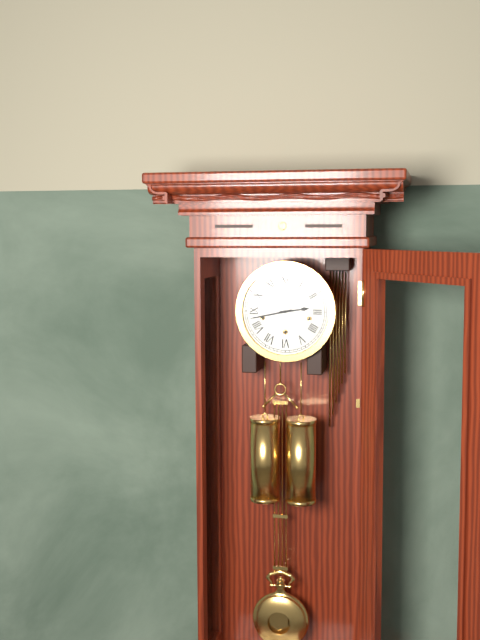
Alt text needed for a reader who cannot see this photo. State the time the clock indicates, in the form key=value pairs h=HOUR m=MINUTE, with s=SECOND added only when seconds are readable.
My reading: h=2 m=43
